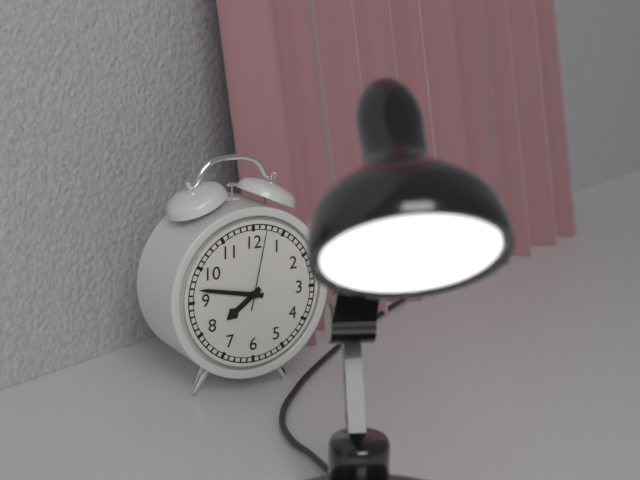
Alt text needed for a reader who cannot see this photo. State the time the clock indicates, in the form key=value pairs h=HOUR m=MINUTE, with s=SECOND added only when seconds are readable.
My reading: h=7 m=47 s=2
